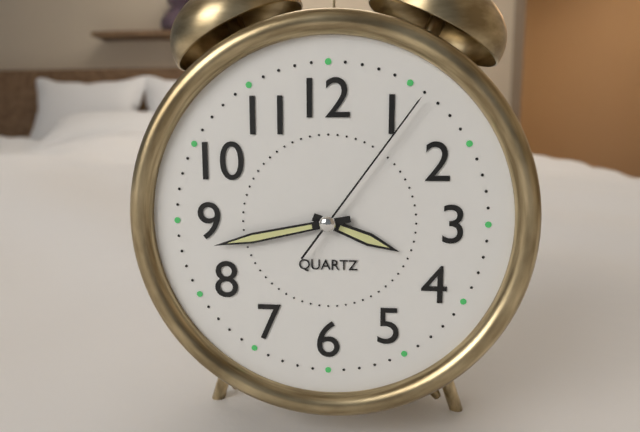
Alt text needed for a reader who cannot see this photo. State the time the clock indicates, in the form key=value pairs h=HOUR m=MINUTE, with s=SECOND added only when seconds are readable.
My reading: h=3 m=43 s=6
